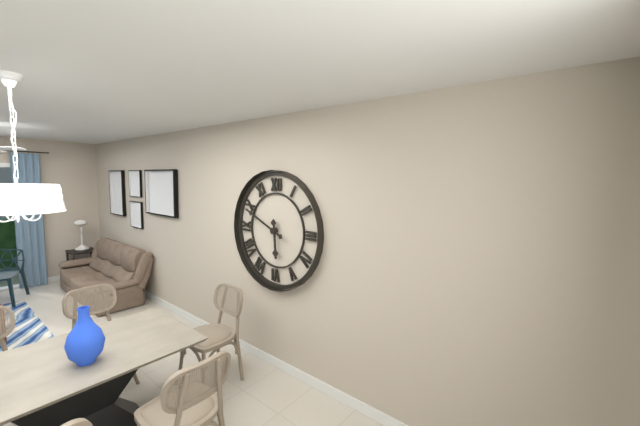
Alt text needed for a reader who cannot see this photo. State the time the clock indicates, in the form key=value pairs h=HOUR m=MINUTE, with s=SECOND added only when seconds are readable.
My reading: h=5 m=49
